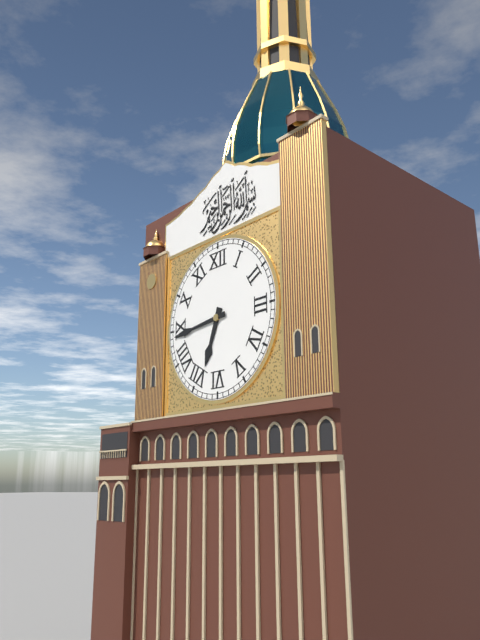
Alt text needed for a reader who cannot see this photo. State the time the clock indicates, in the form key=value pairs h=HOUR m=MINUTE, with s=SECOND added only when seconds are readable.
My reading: h=6 m=44
